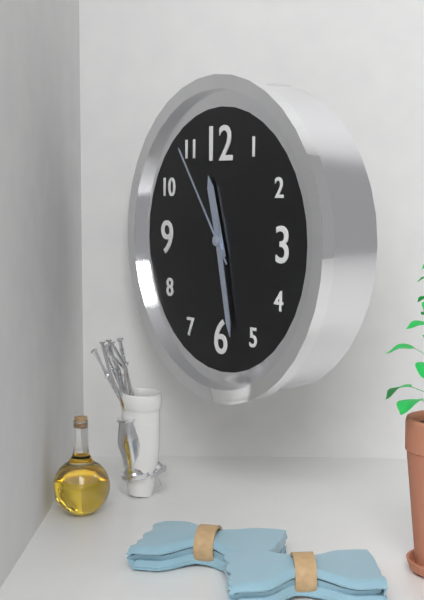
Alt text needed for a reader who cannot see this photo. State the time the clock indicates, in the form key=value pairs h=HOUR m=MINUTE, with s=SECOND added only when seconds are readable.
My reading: h=11 m=28 s=54
